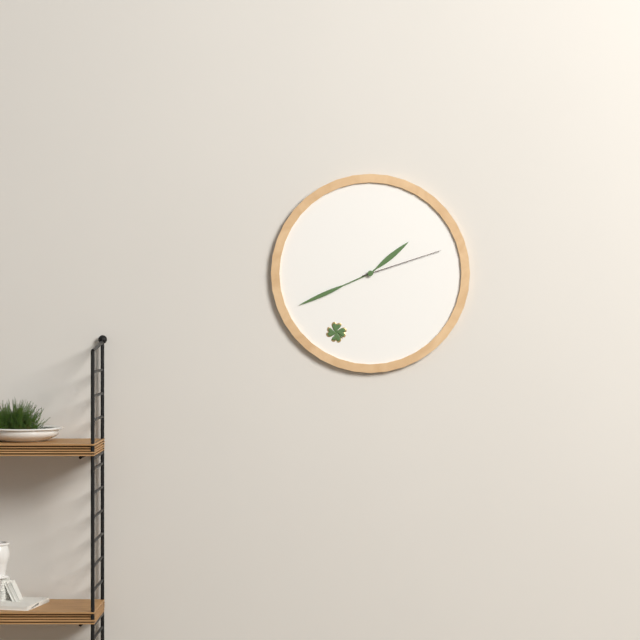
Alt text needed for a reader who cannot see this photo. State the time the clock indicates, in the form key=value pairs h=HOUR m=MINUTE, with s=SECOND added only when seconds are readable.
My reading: h=1 m=41 s=12
